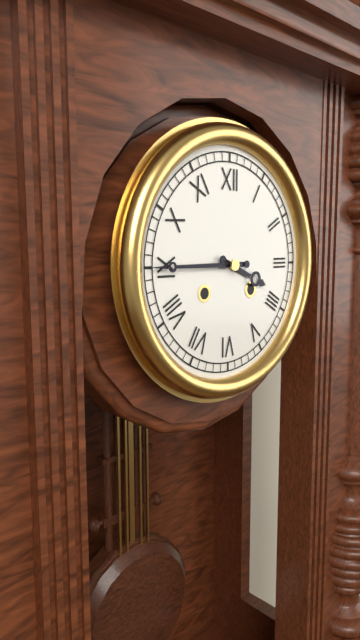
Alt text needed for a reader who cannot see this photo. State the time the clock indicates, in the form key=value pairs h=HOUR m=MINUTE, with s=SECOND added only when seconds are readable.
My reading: h=3 m=45
